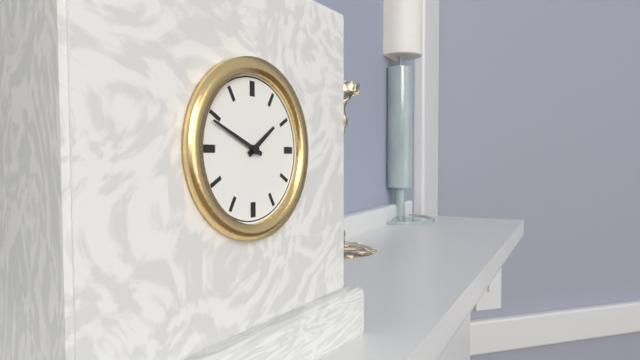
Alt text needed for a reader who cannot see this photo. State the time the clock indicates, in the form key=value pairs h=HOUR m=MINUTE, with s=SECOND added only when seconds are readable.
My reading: h=1 m=49
